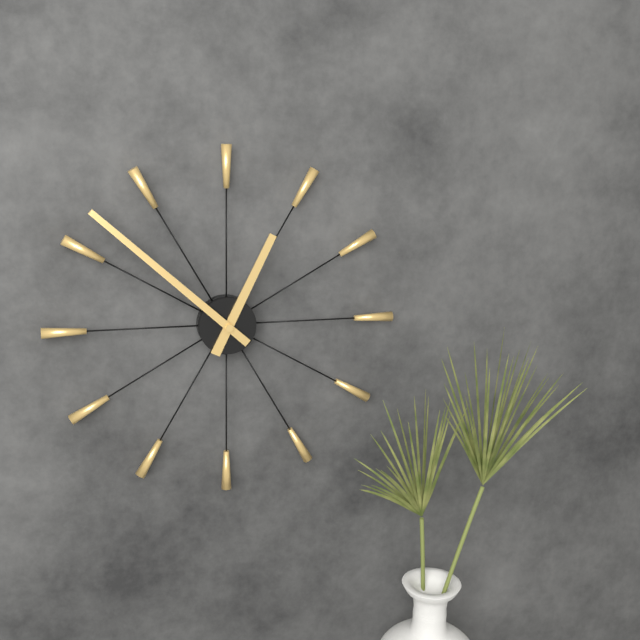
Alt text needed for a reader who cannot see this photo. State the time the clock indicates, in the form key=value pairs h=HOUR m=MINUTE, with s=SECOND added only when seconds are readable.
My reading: h=12 m=52
